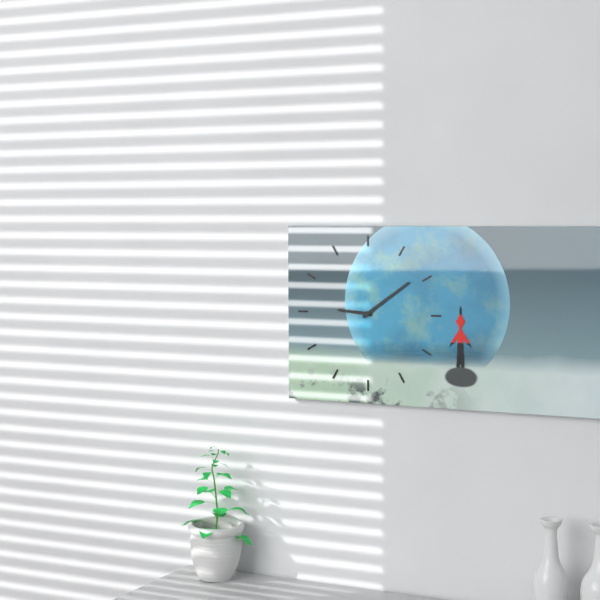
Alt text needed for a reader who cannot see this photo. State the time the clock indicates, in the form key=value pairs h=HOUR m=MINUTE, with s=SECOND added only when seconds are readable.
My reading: h=9 m=9
